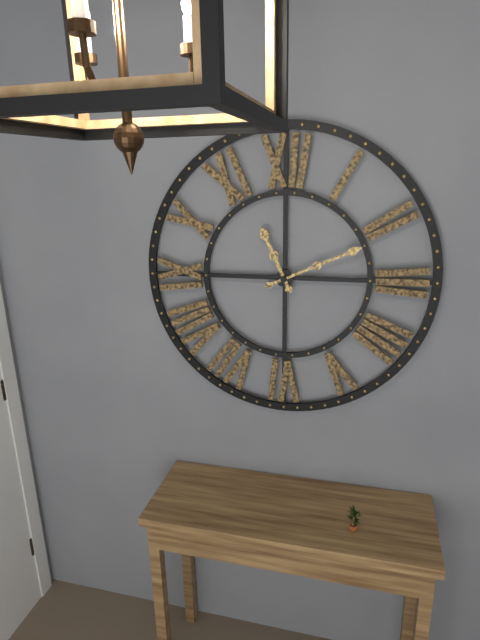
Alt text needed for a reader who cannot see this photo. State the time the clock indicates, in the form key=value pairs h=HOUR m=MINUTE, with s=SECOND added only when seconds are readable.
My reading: h=11 m=11
